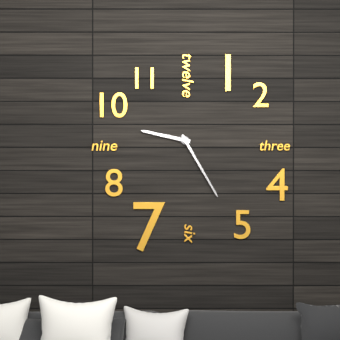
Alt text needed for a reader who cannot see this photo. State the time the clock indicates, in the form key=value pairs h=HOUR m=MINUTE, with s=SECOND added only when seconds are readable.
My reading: h=9 m=25
